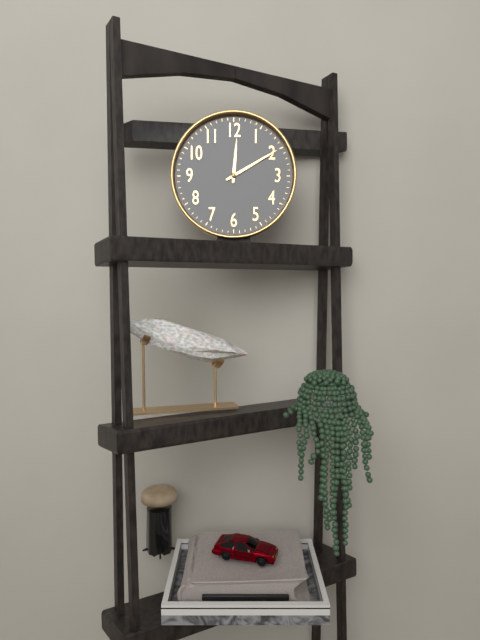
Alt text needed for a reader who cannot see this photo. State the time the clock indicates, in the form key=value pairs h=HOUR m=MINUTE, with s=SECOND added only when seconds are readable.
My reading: h=12 m=10
